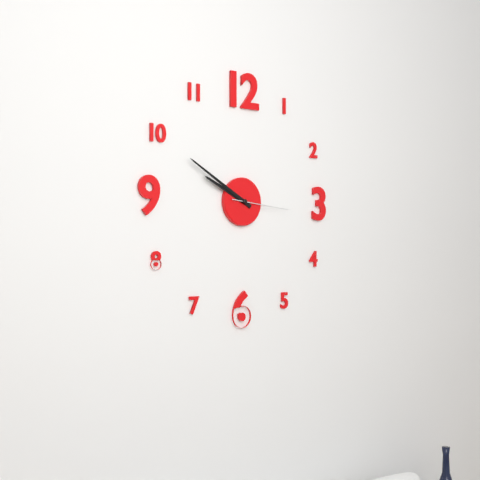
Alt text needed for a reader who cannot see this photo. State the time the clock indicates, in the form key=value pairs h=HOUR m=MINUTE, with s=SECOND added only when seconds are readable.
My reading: h=9 m=50 s=16
